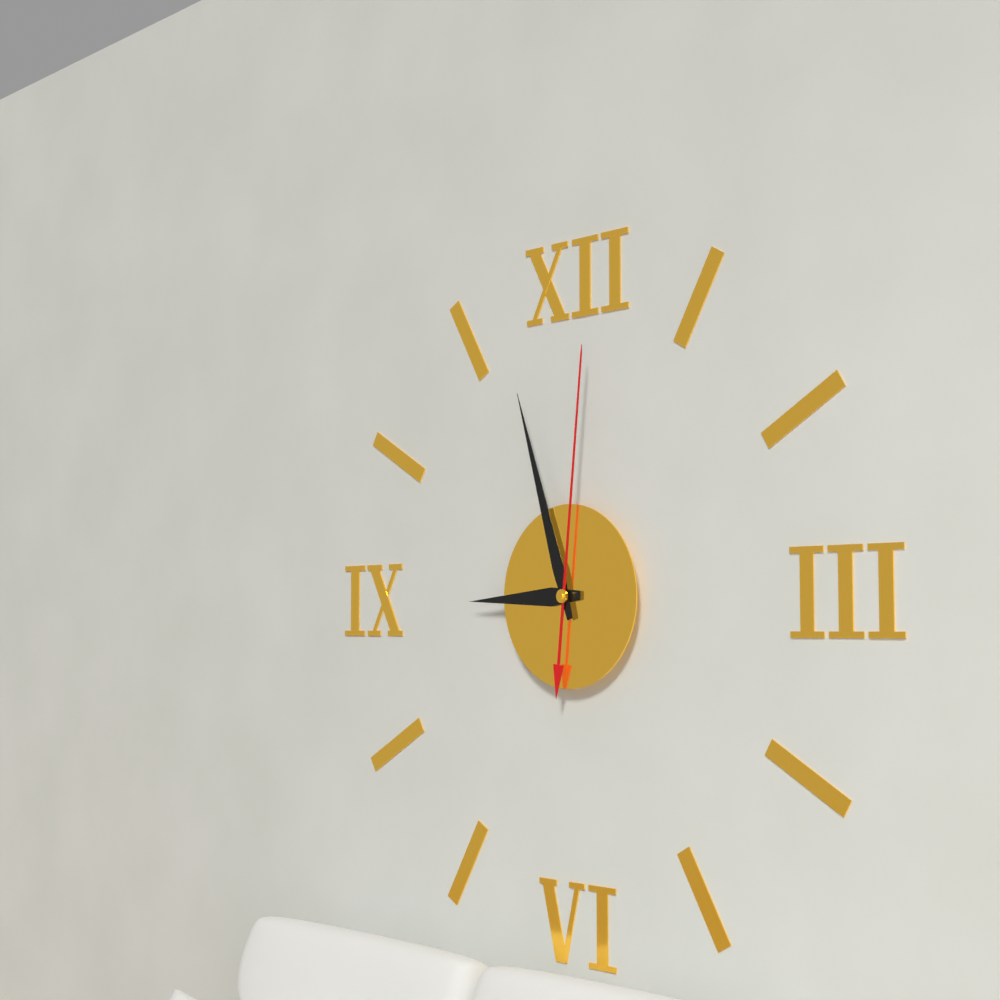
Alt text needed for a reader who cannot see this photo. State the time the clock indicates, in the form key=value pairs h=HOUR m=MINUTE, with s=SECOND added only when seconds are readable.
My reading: h=8 m=57 s=1
